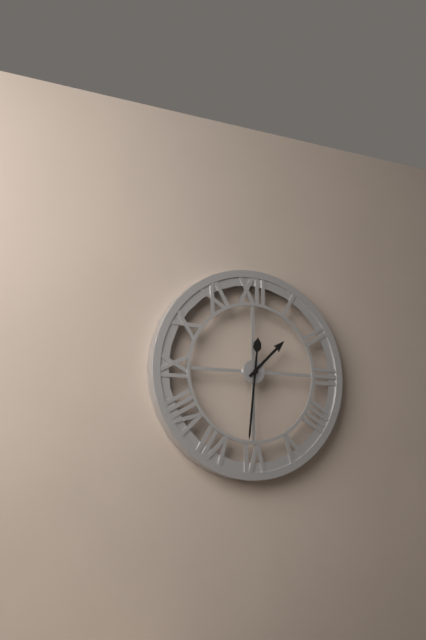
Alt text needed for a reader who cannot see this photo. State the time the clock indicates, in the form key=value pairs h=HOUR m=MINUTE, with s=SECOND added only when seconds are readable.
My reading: h=1 m=31
